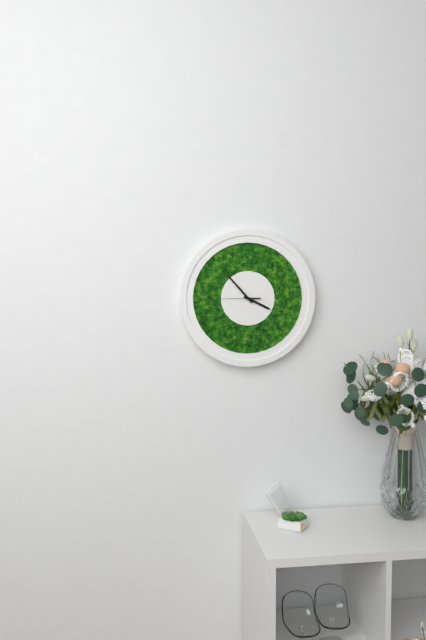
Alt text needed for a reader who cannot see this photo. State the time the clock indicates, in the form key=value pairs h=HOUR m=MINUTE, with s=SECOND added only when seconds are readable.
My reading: h=3 m=53
